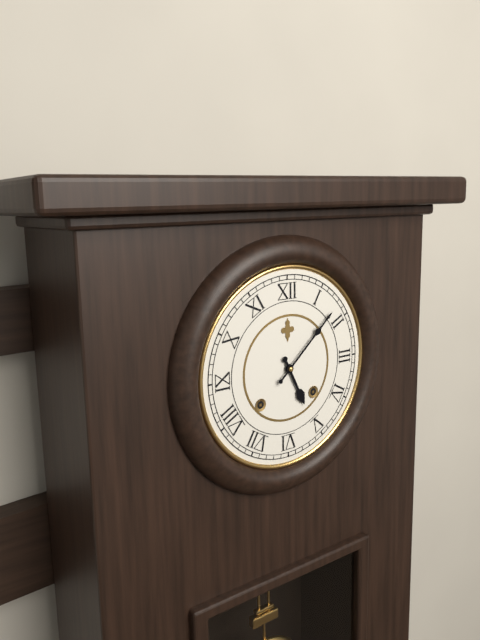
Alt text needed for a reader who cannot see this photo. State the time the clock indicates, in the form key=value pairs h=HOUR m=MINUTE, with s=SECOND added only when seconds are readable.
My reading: h=5 m=8
